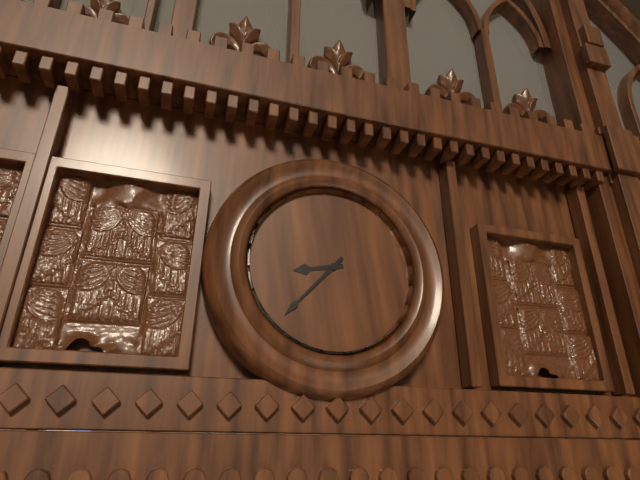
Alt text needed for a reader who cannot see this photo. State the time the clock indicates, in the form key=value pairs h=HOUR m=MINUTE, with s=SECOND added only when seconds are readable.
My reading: h=8 m=37
